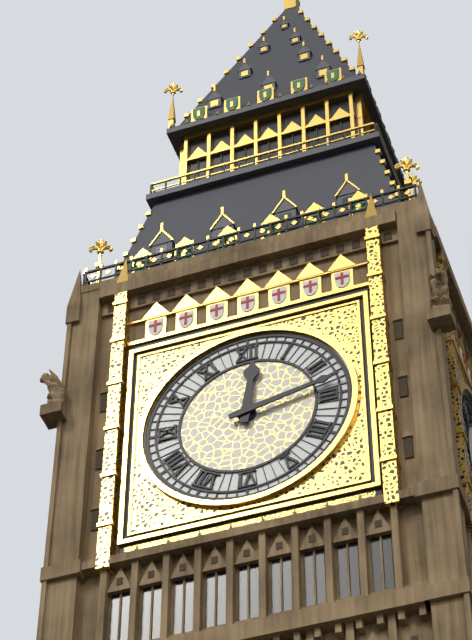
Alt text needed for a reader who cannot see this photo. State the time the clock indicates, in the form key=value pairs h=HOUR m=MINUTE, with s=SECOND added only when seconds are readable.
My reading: h=12 m=13
